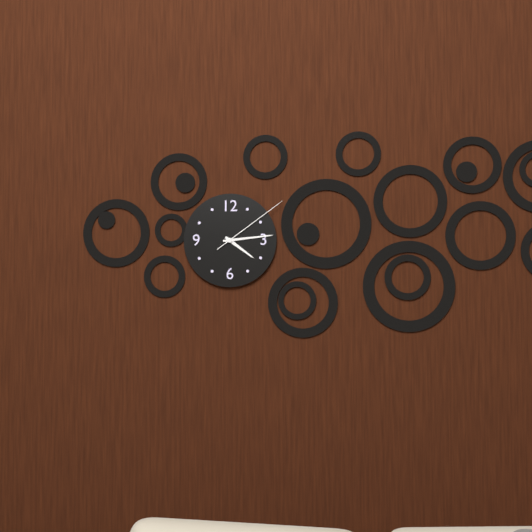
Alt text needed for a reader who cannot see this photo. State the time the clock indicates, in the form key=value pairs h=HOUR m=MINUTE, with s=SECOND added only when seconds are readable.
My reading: h=4 m=14 s=9
